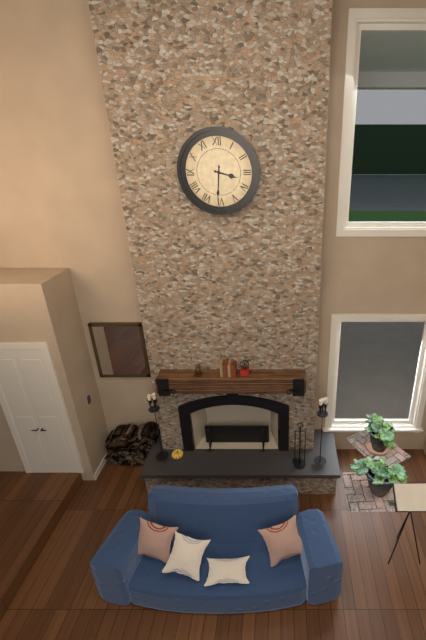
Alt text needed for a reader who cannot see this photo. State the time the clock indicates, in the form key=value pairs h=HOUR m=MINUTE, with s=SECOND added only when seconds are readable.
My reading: h=3 m=31
